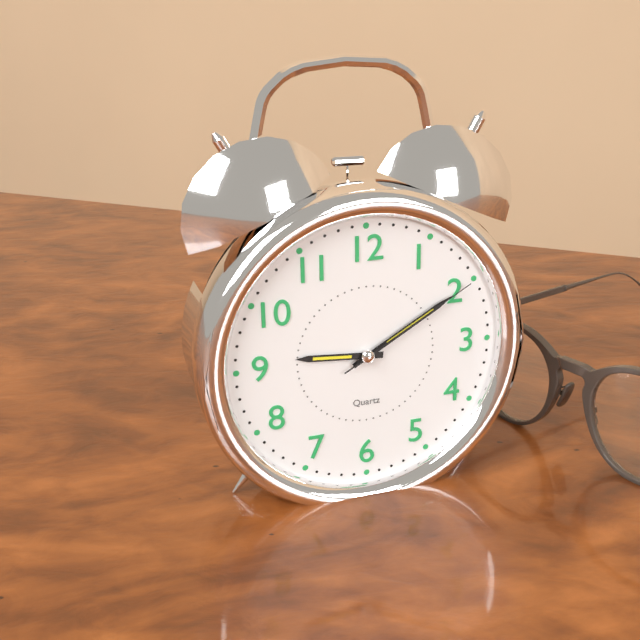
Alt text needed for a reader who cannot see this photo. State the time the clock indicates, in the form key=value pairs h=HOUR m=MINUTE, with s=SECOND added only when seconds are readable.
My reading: h=9 m=10 s=10
